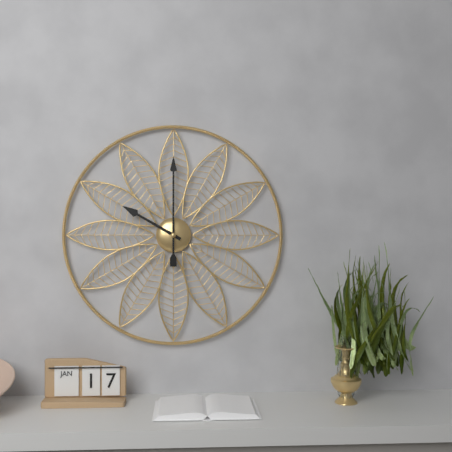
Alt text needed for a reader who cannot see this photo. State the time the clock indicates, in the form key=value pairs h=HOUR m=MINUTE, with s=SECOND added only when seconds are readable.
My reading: h=10 m=0
